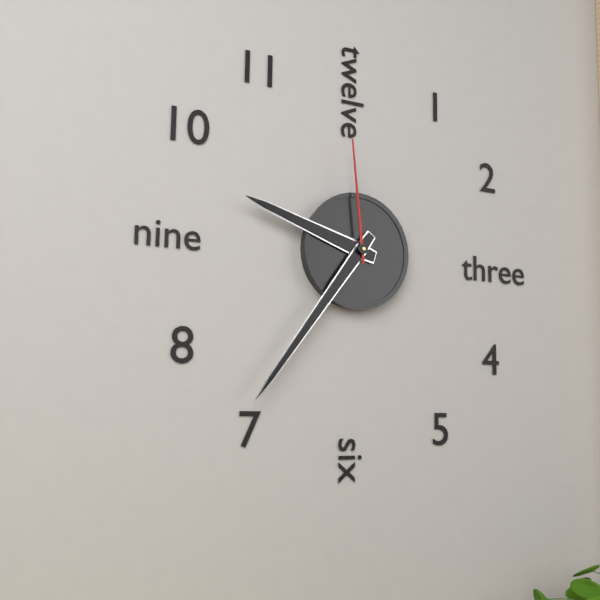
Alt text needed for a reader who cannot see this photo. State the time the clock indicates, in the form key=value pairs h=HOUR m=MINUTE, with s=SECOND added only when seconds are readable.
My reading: h=9 m=36 s=59
